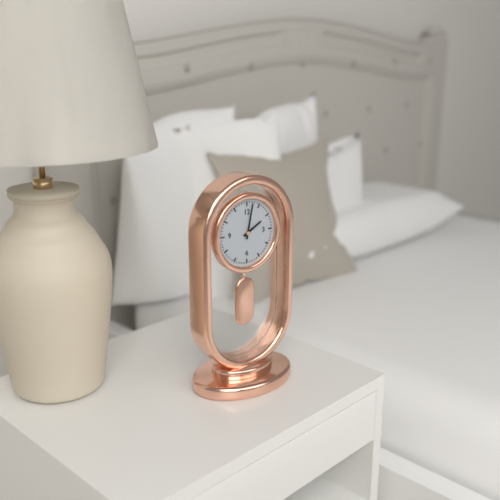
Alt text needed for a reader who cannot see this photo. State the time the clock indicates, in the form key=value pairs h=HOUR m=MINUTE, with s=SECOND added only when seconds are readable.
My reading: h=2 m=2
